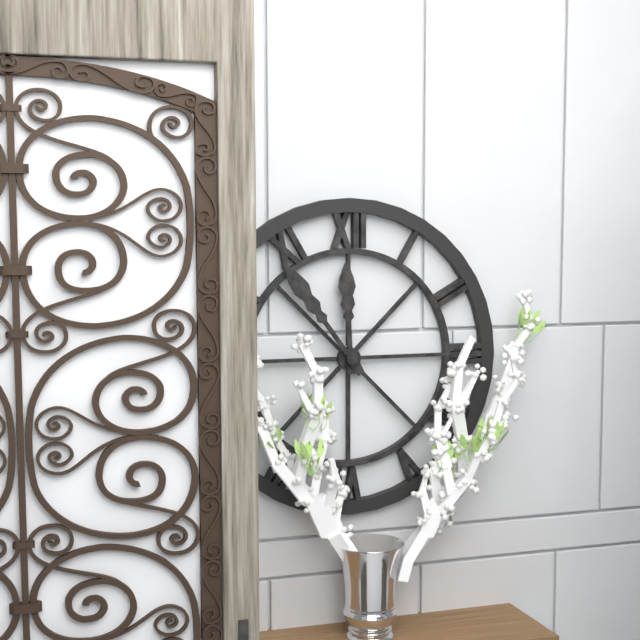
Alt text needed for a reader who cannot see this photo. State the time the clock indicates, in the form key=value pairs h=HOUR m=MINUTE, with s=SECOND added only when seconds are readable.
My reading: h=11 m=54
